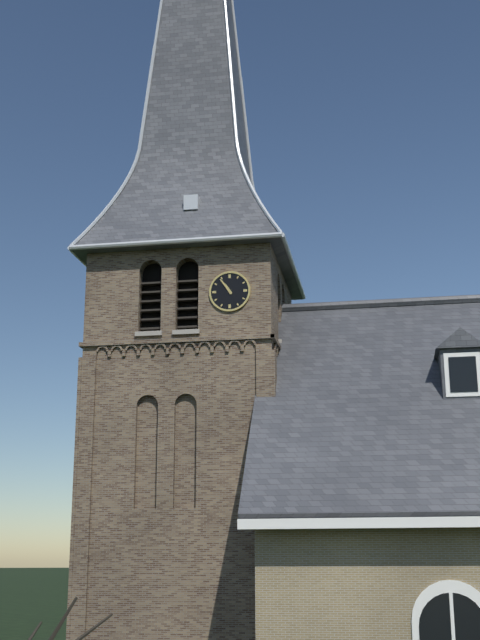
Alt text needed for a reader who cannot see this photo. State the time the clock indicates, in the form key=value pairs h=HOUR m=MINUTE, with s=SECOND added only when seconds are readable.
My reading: h=10 m=54
